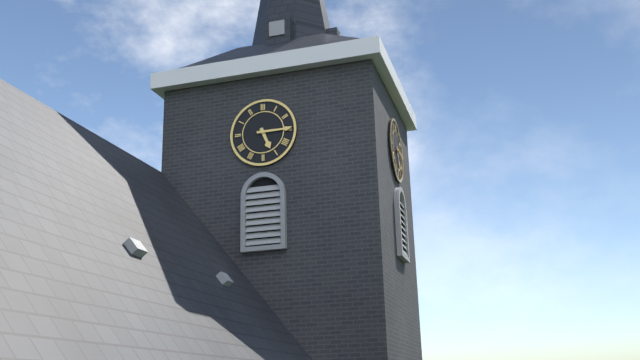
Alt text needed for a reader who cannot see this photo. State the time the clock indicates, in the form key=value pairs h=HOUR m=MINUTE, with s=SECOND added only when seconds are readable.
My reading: h=5 m=15
